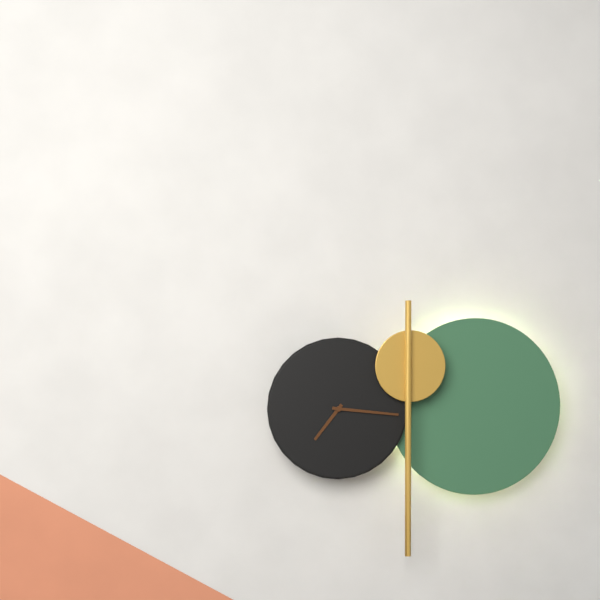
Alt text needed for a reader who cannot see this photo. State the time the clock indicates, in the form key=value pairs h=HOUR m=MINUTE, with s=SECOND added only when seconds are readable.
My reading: h=7 m=16
